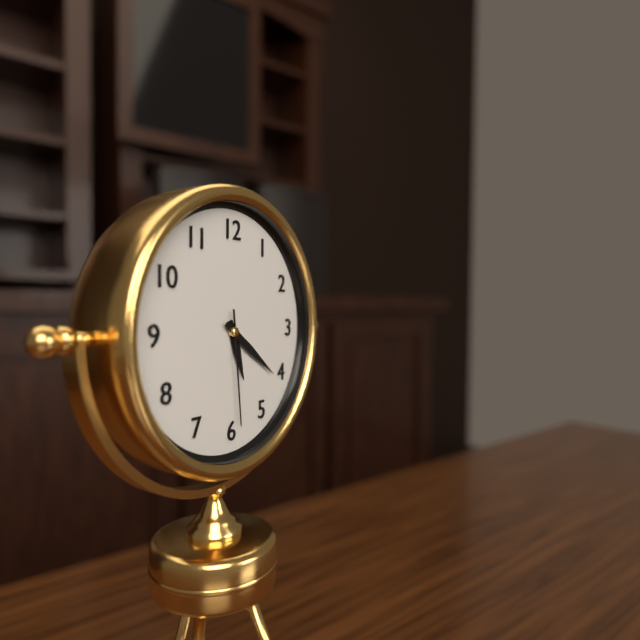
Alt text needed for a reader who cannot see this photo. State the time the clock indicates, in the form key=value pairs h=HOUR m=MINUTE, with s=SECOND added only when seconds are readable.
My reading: h=5 m=21 s=29
